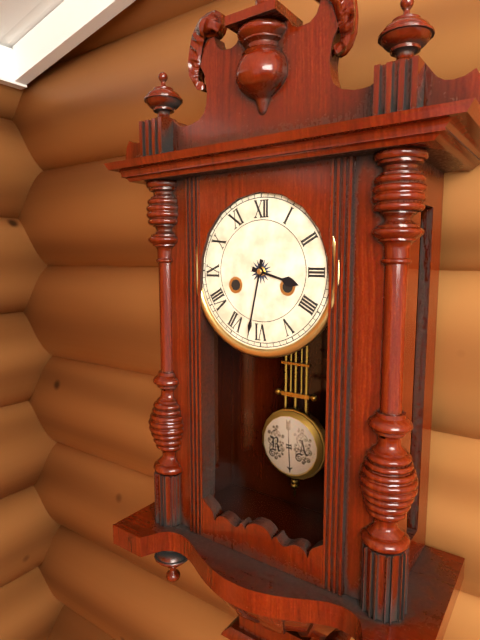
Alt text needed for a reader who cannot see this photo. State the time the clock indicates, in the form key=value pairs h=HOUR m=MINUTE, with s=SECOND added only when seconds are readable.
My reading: h=3 m=32
